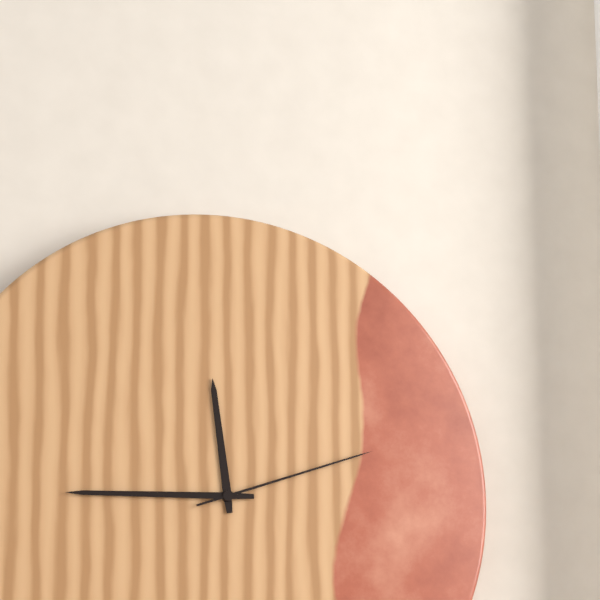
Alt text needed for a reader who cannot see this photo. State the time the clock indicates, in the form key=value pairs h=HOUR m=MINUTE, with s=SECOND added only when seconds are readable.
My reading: h=11 m=45 s=12
